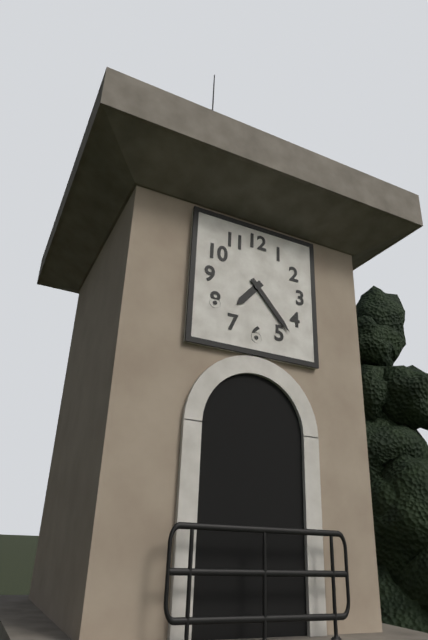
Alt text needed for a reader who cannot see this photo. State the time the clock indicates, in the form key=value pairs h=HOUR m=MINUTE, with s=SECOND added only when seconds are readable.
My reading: h=7 m=23
